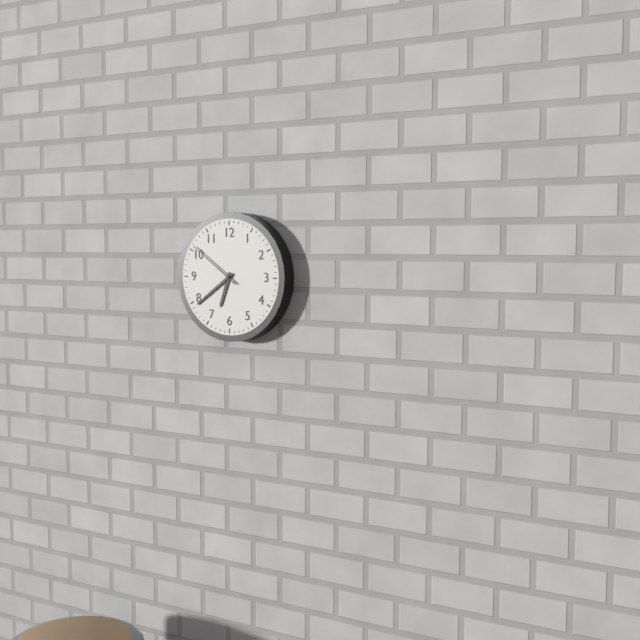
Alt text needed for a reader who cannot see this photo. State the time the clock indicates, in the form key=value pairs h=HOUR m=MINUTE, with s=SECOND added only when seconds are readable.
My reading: h=6 m=39 s=51
